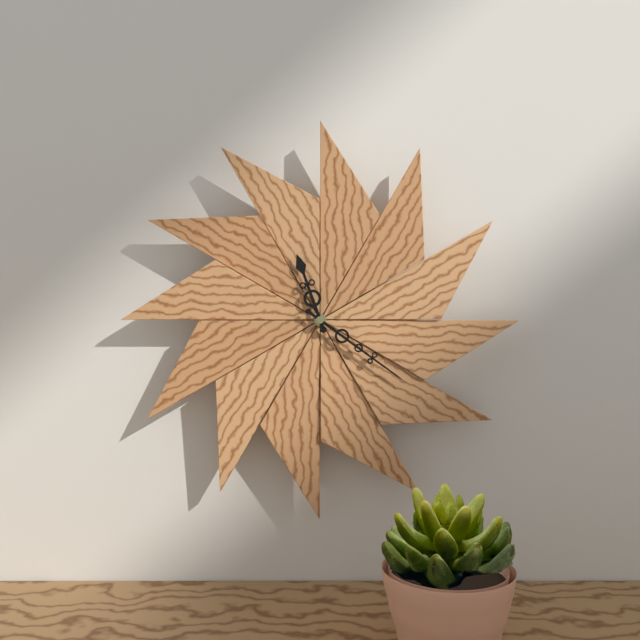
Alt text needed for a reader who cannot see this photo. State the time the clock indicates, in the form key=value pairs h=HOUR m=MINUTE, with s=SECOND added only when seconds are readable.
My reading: h=11 m=21
